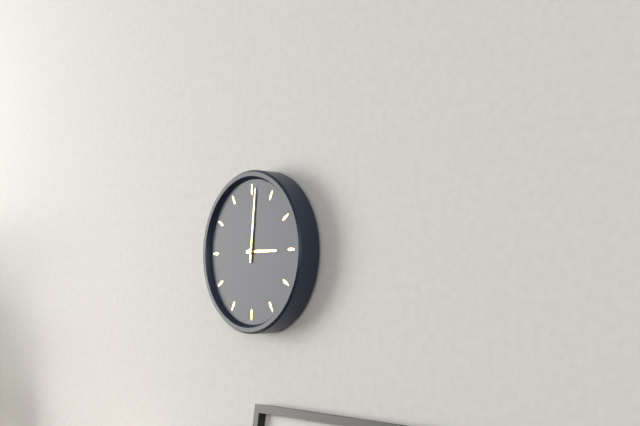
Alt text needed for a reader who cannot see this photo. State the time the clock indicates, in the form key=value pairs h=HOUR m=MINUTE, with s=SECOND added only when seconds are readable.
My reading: h=3 m=1
